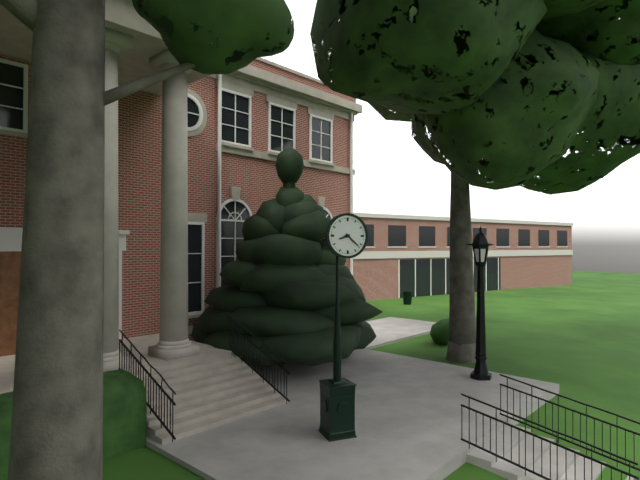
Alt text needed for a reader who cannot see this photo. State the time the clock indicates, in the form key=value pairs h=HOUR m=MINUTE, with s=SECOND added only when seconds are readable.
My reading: h=8 m=22
